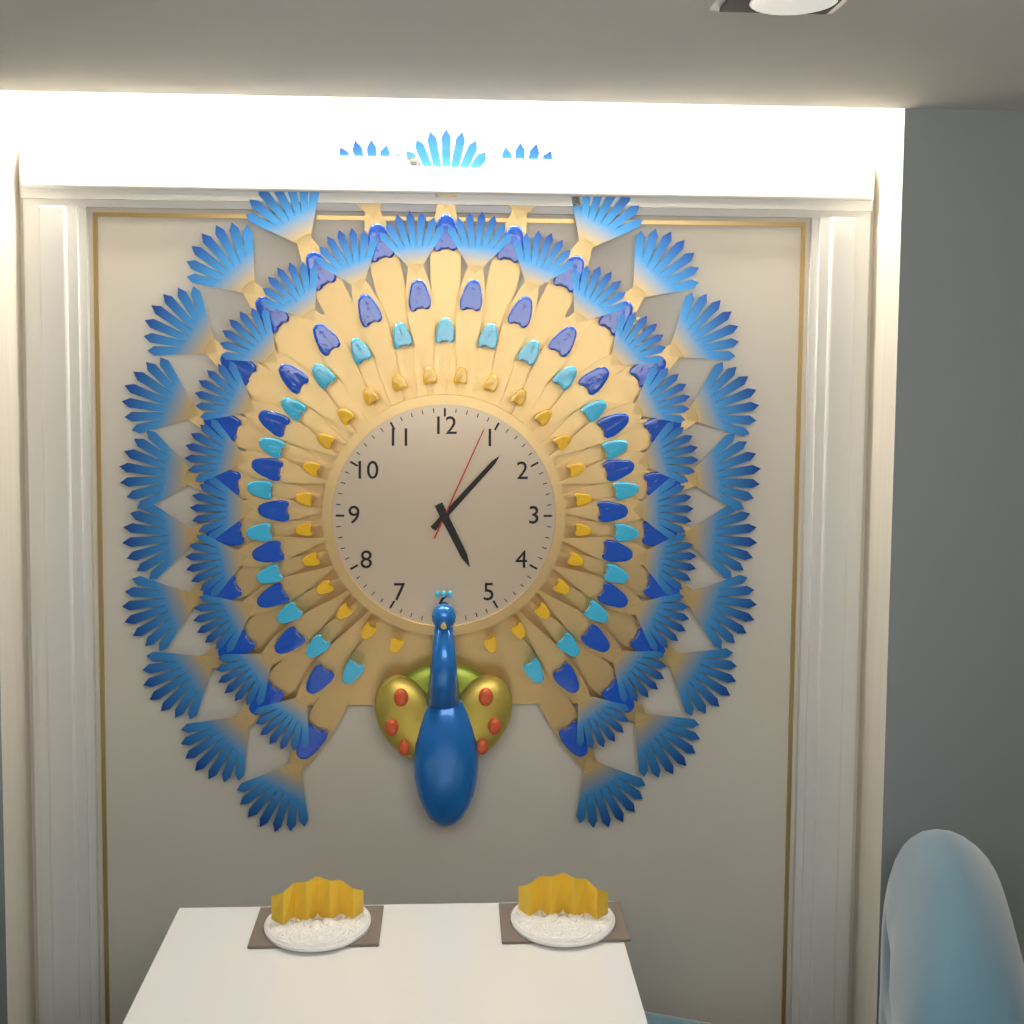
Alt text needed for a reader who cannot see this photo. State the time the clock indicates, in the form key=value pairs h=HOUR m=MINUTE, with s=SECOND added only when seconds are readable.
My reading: h=5 m=7 s=4
